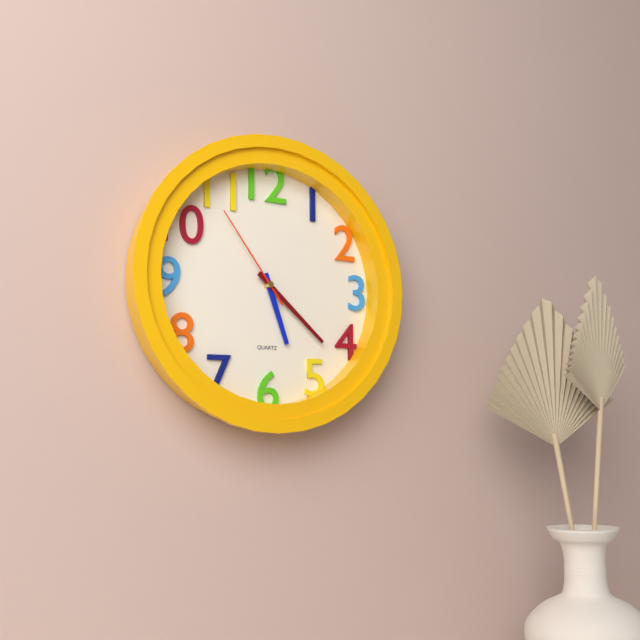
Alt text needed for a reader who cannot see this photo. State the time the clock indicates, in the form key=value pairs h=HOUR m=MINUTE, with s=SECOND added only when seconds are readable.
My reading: h=5 m=22 s=54
